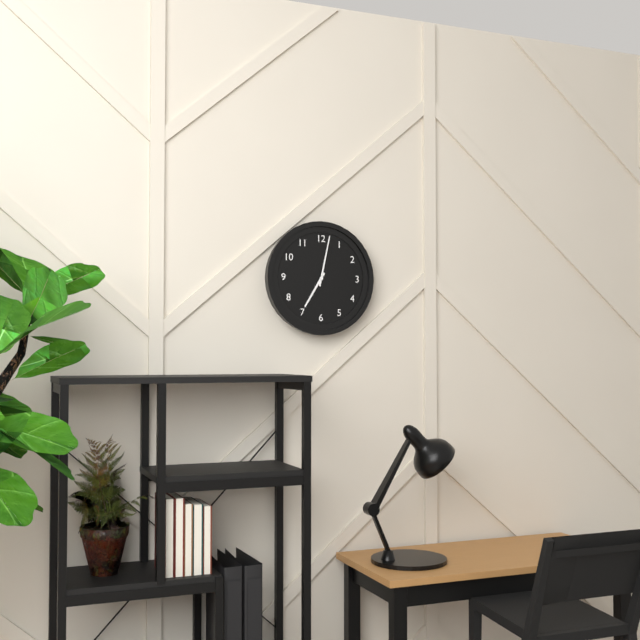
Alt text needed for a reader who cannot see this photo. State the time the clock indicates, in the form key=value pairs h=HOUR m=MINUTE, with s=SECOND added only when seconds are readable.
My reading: h=7 m=2
